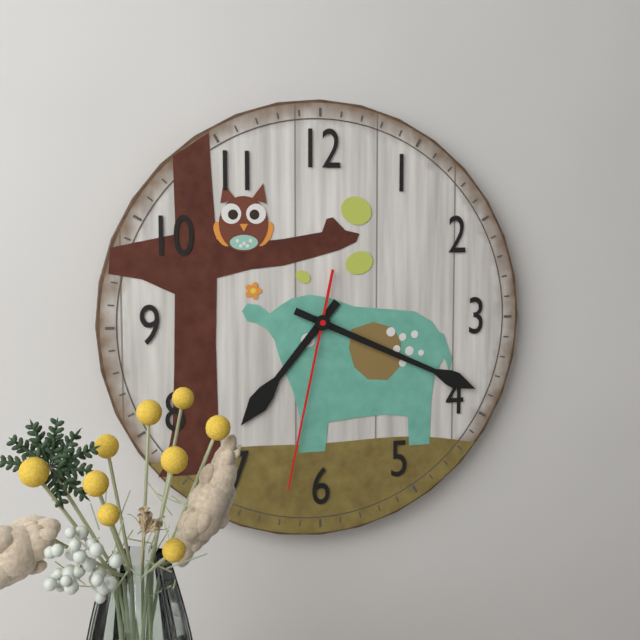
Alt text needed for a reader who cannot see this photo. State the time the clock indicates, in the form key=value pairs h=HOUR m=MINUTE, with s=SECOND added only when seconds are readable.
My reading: h=7 m=19 s=32
